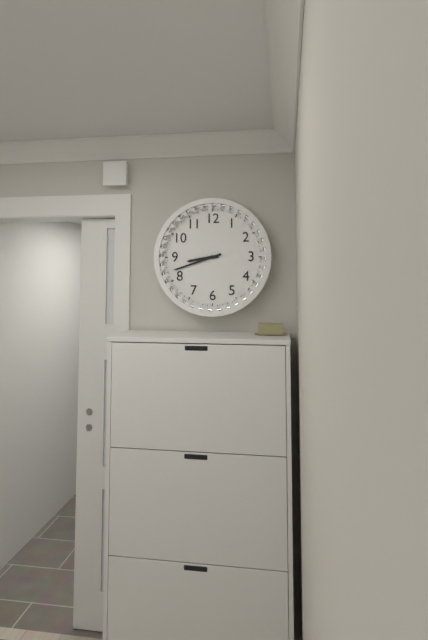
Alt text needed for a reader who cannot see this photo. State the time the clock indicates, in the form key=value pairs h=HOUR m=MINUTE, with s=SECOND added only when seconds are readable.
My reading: h=8 m=42
